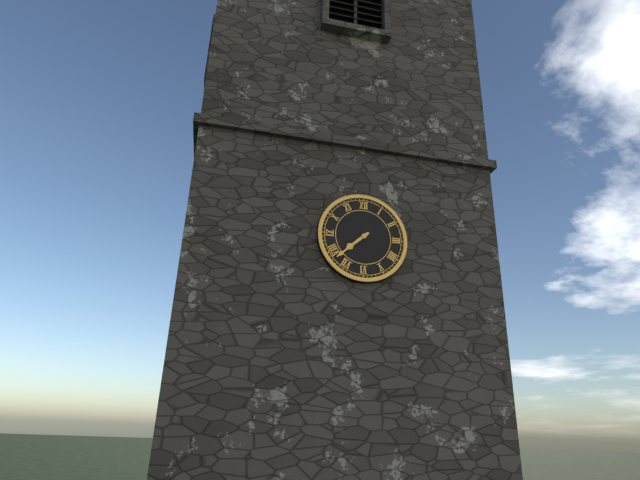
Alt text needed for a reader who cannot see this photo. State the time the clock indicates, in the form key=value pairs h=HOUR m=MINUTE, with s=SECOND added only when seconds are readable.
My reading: h=7 m=38
